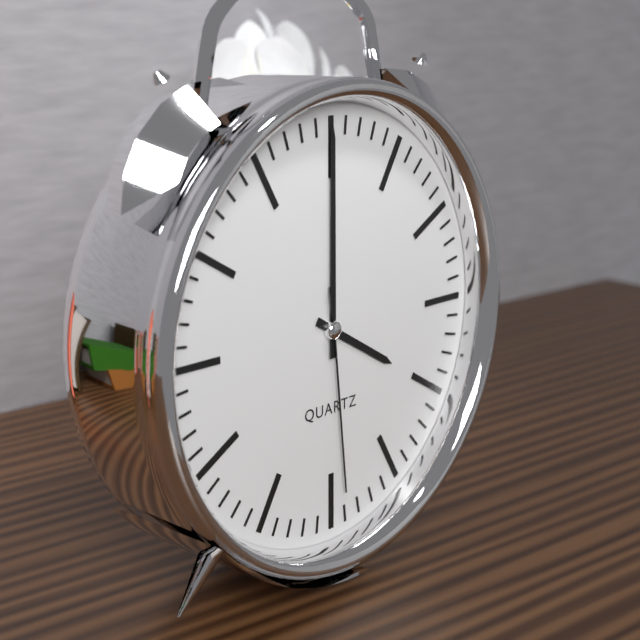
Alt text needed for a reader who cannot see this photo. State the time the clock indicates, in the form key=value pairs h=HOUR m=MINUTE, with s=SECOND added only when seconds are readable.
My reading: h=4 m=0 s=29
